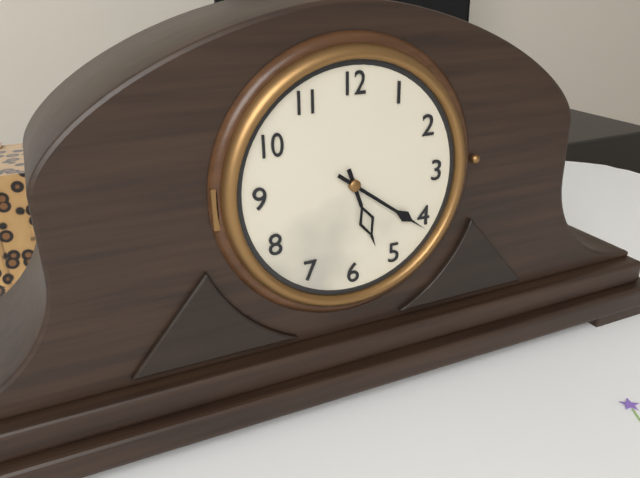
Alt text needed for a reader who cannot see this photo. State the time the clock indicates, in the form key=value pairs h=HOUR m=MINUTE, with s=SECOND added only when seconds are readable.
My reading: h=5 m=21
